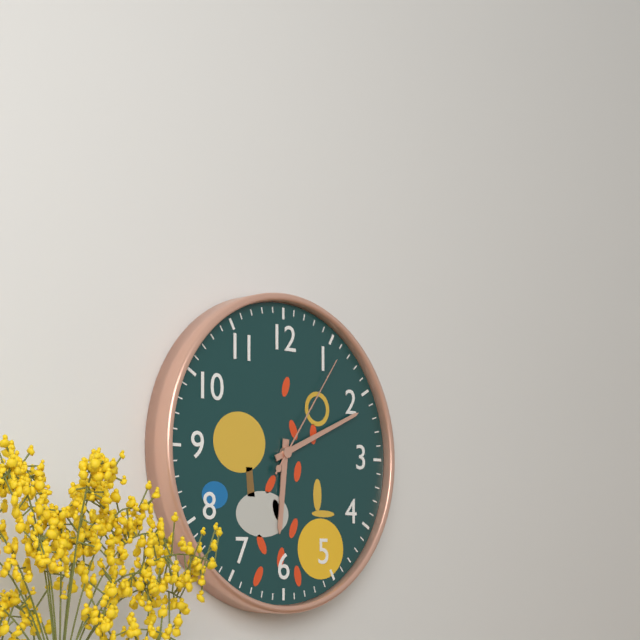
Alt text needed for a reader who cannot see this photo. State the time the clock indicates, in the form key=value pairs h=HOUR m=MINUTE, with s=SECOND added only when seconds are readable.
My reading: h=6 m=11 s=6
